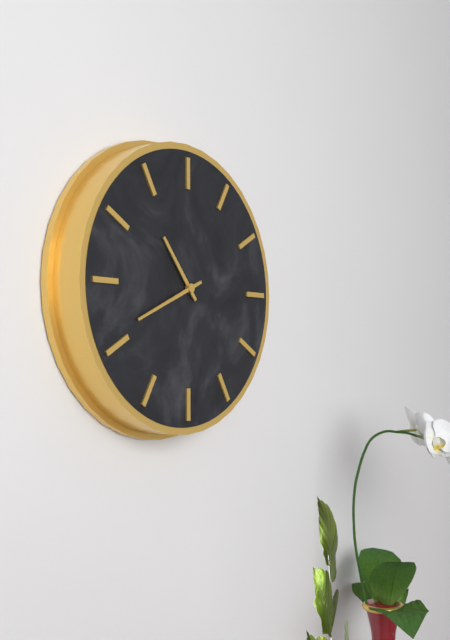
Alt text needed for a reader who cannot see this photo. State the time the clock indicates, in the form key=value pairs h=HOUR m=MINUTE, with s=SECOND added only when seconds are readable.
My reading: h=10 m=41
